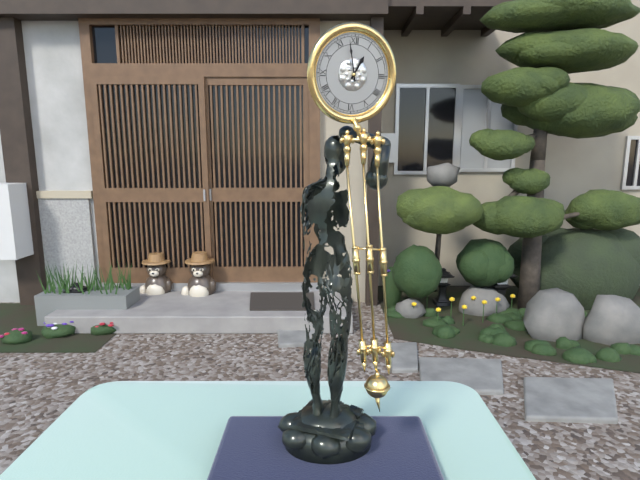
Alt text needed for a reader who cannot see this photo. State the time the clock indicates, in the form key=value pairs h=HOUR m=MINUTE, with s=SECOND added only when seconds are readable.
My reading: h=12 m=58
